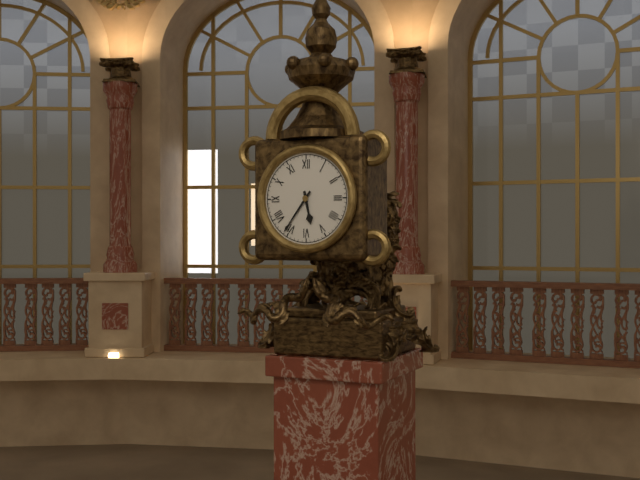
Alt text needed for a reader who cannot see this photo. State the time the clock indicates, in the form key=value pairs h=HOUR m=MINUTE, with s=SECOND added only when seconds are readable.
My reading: h=5 m=36
